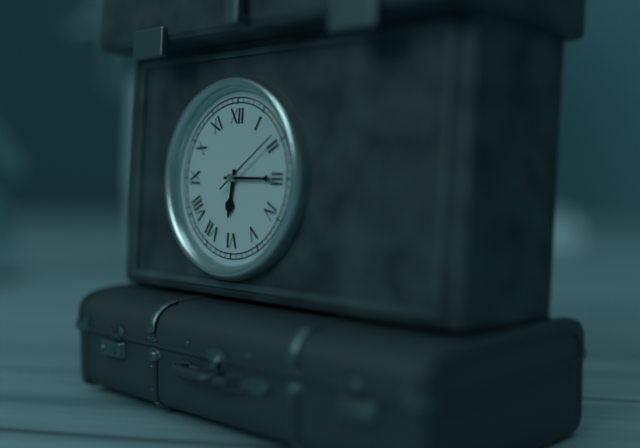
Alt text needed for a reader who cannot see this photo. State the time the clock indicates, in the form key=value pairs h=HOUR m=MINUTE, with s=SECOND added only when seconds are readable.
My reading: h=6 m=15 s=9
